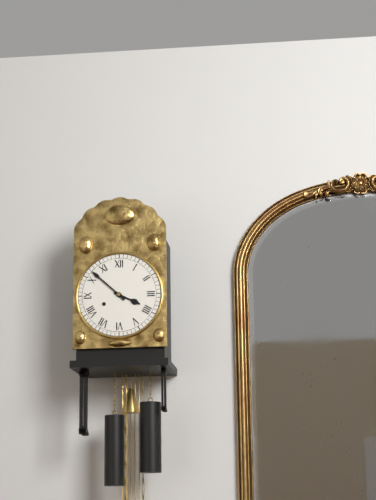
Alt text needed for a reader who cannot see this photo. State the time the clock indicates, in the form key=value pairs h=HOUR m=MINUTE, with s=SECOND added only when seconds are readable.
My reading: h=3 m=52
